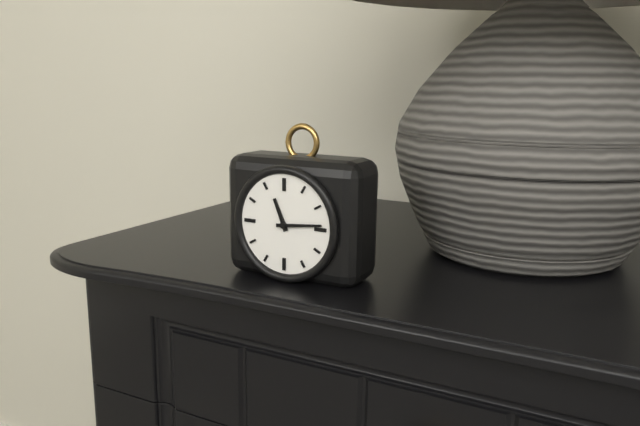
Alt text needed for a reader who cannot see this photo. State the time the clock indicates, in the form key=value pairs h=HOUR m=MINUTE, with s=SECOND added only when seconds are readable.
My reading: h=11 m=14
